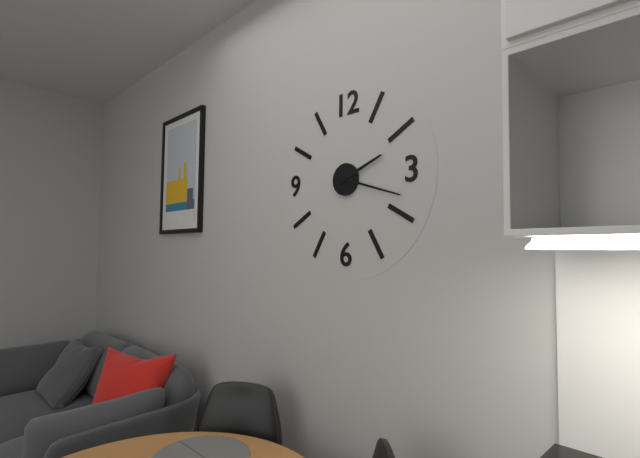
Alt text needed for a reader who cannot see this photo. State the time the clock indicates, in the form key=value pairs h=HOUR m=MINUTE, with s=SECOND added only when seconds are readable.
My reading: h=2 m=18
